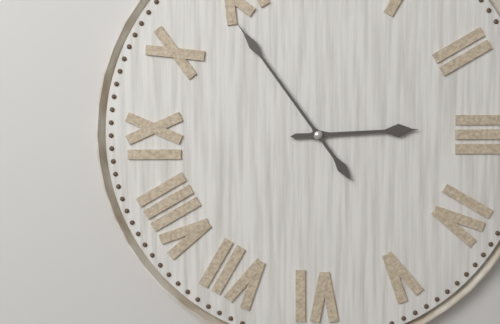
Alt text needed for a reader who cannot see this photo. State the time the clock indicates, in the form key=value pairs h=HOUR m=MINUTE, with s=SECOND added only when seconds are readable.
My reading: h=2 m=54
